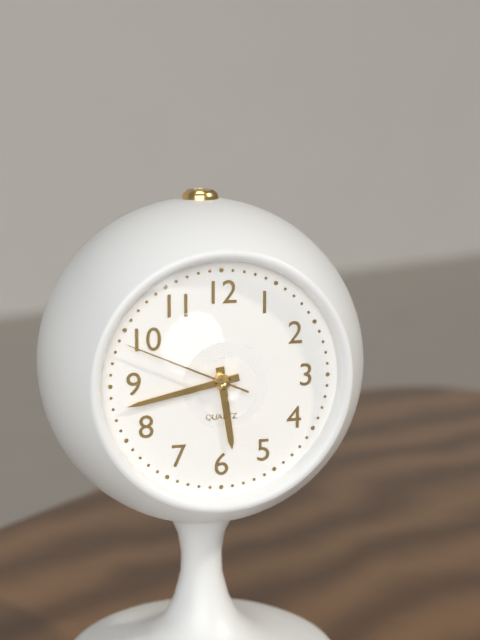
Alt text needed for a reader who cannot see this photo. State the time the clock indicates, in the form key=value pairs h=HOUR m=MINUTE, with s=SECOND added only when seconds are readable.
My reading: h=5 m=43 s=49
